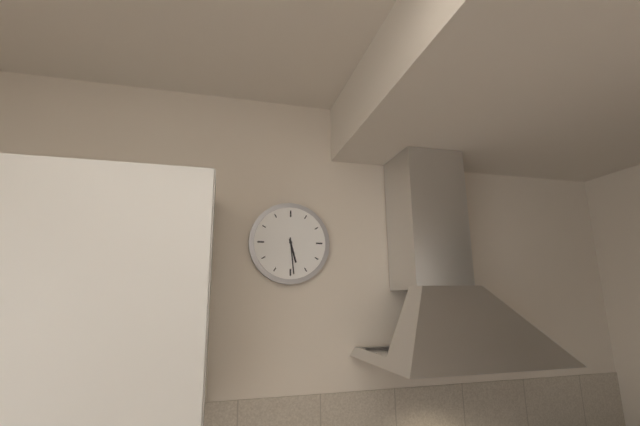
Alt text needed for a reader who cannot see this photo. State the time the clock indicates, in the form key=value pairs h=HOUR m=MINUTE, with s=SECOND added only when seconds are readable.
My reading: h=5 m=29
